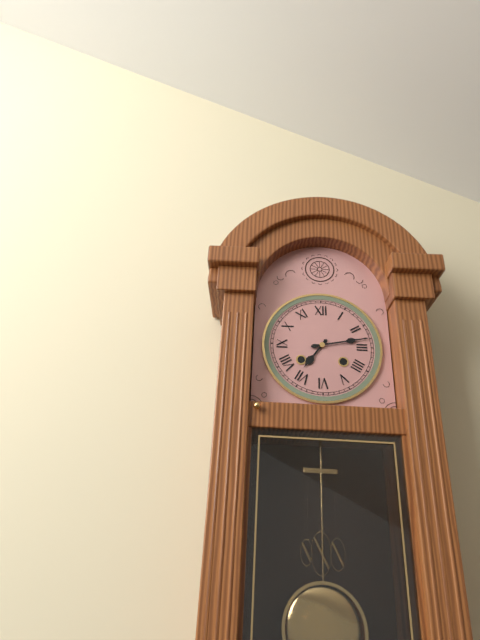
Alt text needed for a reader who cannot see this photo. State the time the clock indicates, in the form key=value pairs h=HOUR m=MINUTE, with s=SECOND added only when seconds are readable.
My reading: h=7 m=13
